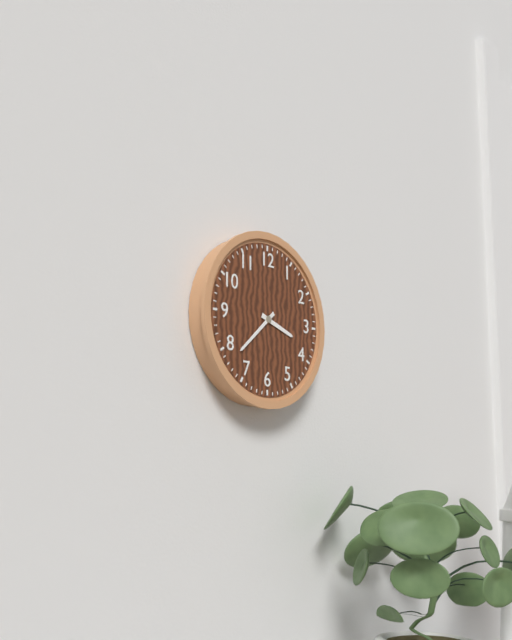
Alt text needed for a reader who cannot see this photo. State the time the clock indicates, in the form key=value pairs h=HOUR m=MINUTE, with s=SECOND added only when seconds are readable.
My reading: h=3 m=38
